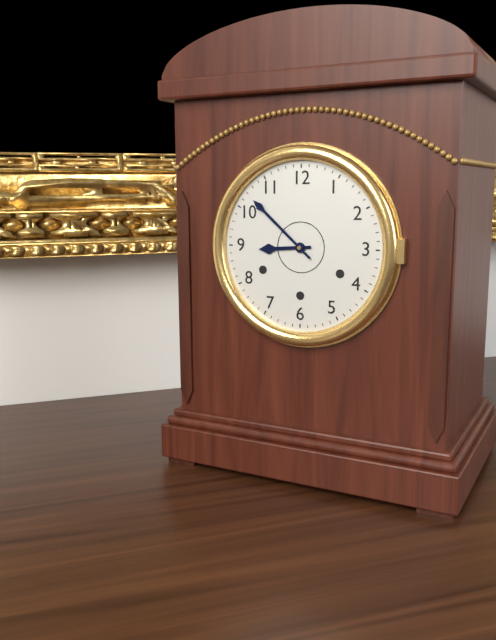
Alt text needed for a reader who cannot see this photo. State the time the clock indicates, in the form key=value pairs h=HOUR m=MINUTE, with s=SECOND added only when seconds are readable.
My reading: h=8 m=52
